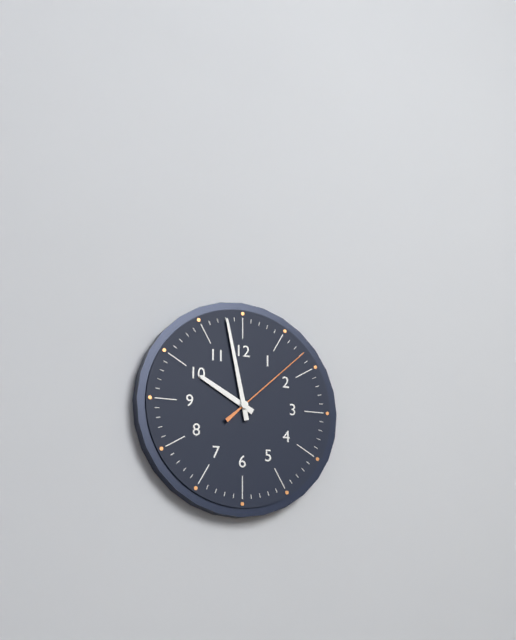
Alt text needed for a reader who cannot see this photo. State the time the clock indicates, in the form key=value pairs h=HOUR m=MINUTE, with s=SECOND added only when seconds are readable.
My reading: h=9 m=58 s=8
